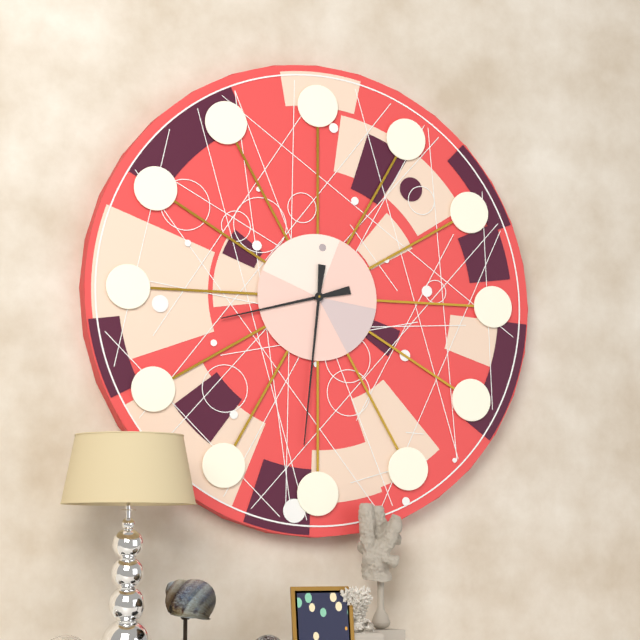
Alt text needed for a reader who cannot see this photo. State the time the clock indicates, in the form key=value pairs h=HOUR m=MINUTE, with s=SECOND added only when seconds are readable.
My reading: h=8 m=31
